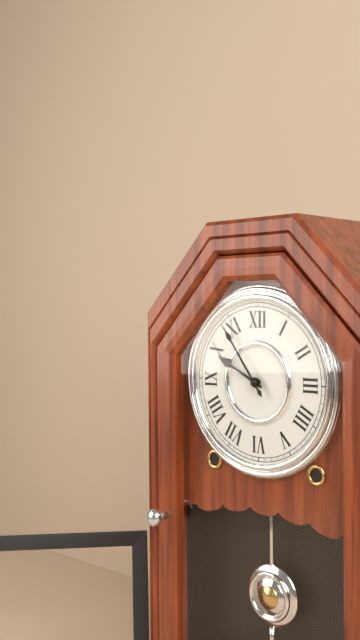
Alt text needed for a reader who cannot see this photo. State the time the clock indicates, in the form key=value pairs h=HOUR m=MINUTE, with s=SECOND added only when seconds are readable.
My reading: h=9 m=54
